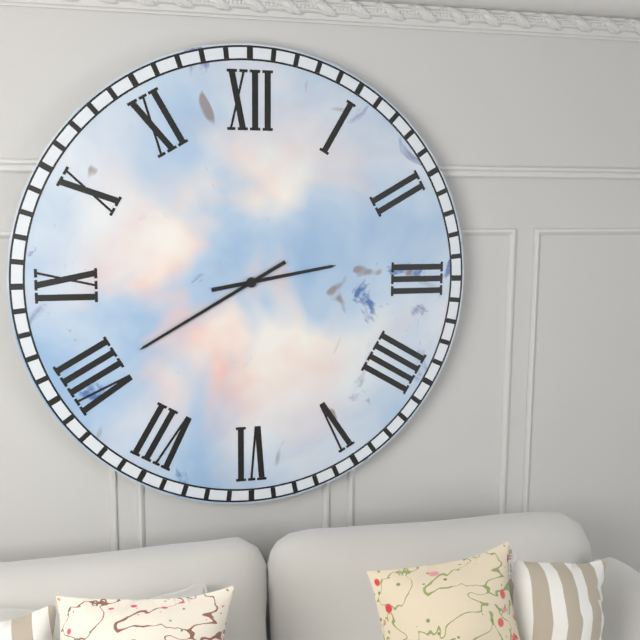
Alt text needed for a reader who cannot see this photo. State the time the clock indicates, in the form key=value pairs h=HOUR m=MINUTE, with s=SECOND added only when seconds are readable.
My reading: h=2 m=40
